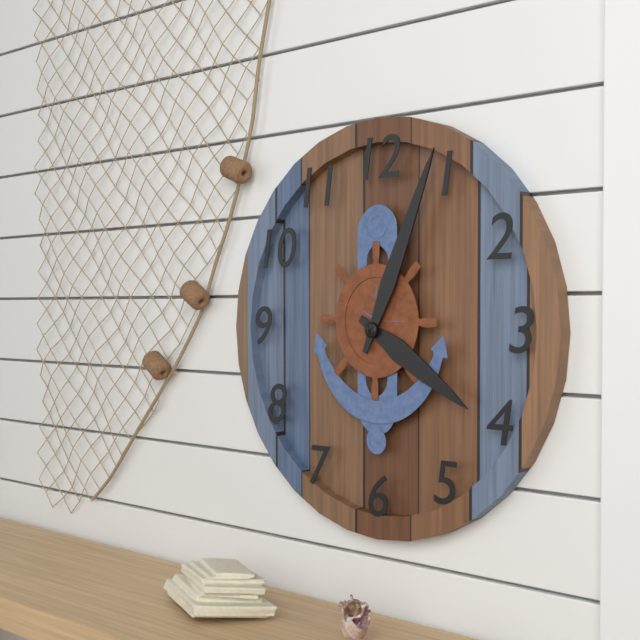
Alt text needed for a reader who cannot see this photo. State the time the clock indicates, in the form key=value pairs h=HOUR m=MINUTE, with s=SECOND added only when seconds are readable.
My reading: h=4 m=4
